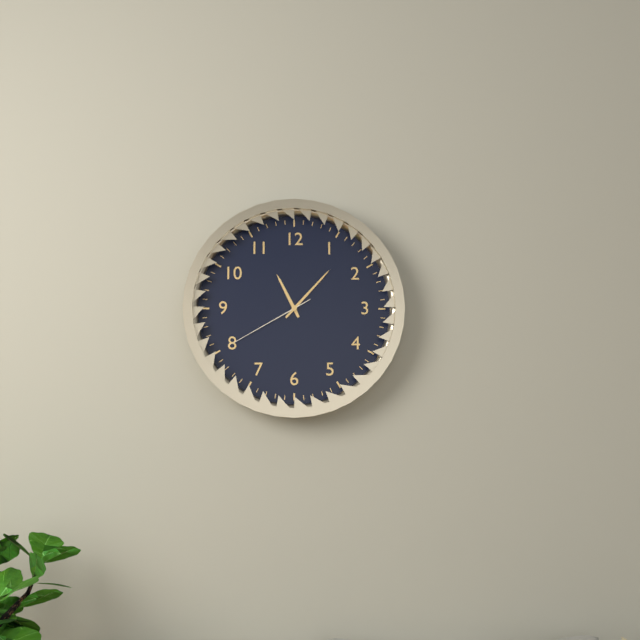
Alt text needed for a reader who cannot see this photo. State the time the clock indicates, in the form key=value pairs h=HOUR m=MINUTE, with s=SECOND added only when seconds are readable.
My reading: h=11 m=7 s=40
